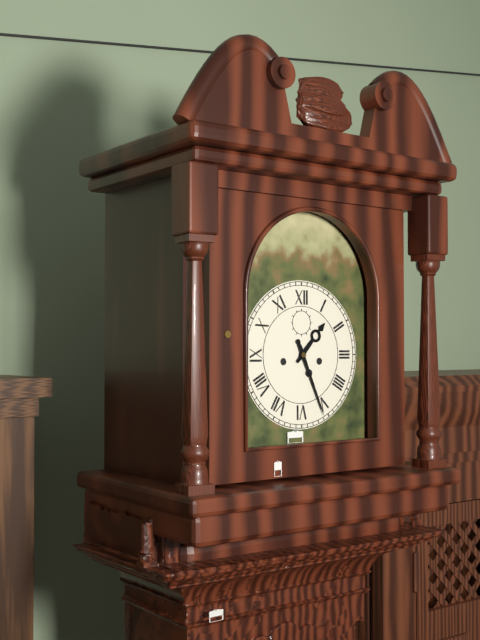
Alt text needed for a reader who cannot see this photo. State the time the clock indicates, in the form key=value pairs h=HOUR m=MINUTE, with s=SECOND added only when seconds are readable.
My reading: h=1 m=26
